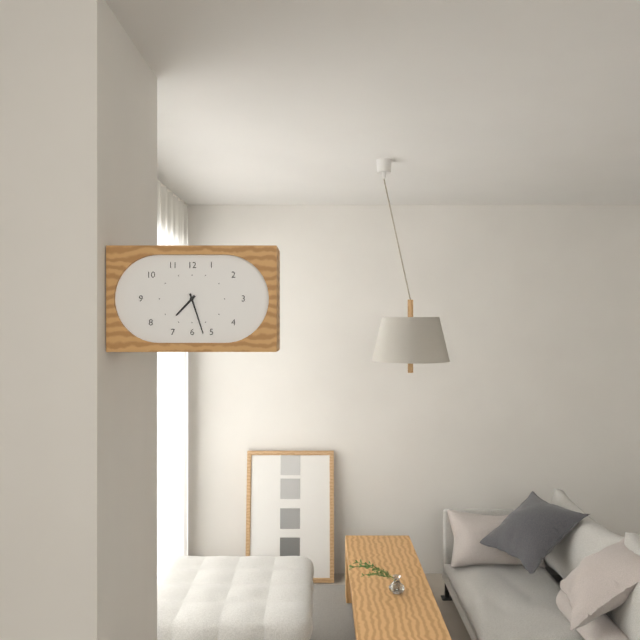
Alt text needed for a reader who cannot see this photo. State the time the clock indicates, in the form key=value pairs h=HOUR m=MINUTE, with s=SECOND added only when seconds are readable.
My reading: h=7 m=27
